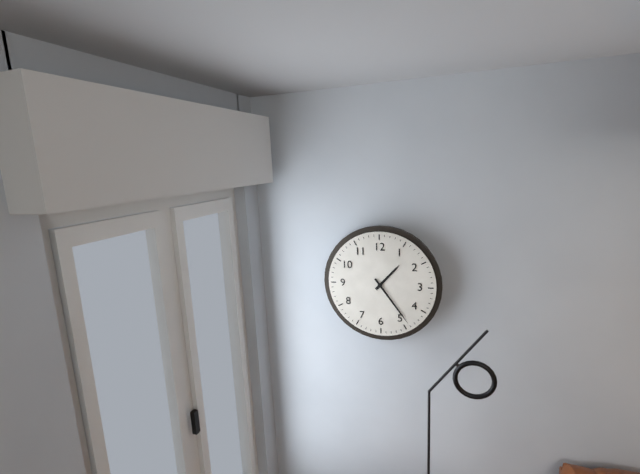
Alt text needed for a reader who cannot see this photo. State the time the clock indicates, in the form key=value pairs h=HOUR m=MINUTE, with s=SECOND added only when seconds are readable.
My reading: h=1 m=24
